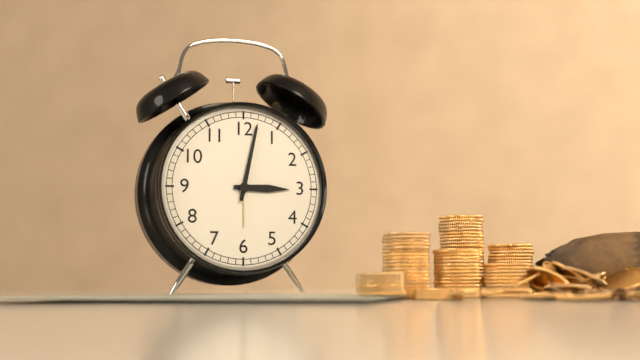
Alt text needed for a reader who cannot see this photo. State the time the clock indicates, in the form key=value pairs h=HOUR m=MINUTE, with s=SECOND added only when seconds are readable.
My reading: h=3 m=2
